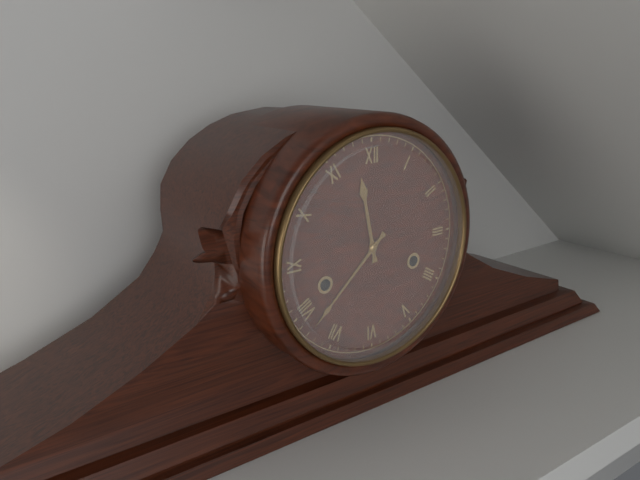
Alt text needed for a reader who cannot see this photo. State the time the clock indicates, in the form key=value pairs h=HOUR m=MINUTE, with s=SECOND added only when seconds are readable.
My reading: h=11 m=38
